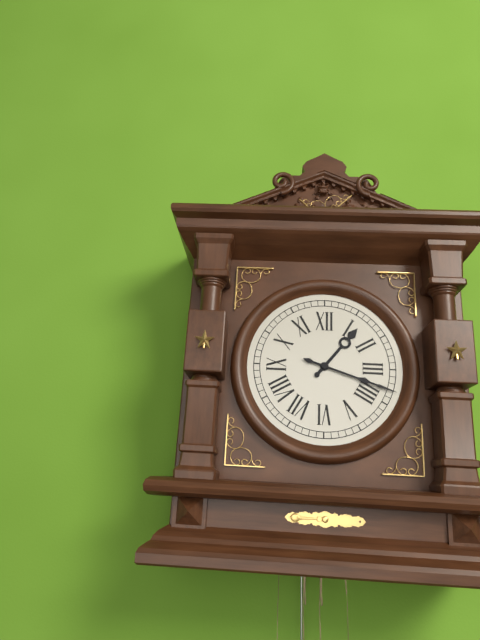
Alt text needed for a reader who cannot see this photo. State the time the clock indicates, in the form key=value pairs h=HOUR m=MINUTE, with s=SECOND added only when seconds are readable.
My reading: h=1 m=18
